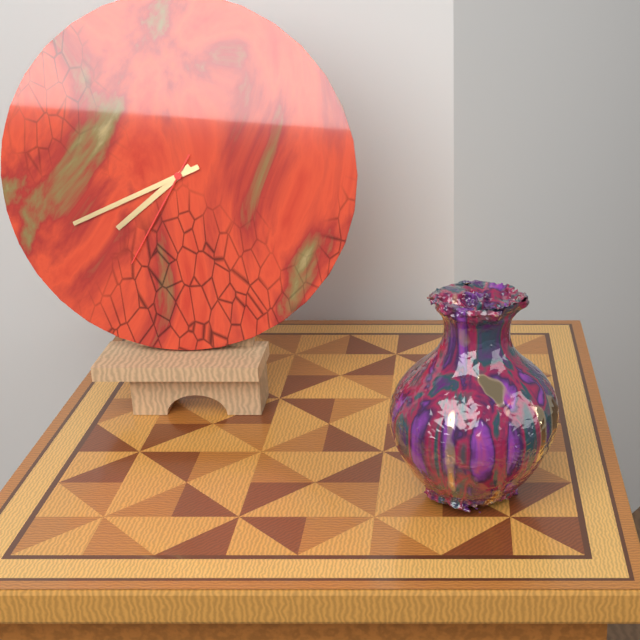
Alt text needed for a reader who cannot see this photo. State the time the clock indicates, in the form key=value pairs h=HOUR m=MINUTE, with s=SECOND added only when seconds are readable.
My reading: h=7 m=41 s=35
